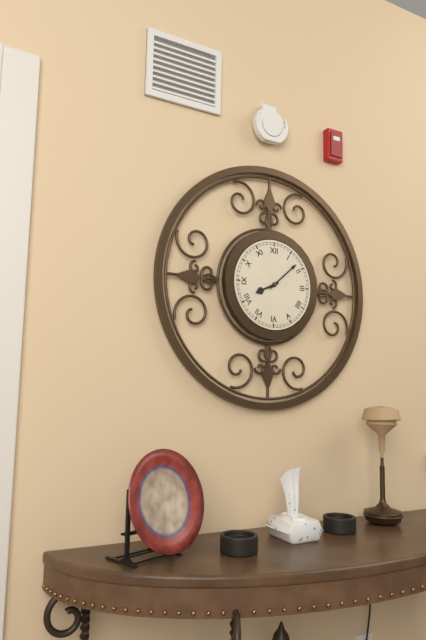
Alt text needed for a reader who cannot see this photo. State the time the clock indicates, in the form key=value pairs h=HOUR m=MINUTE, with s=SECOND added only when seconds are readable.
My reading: h=8 m=8
